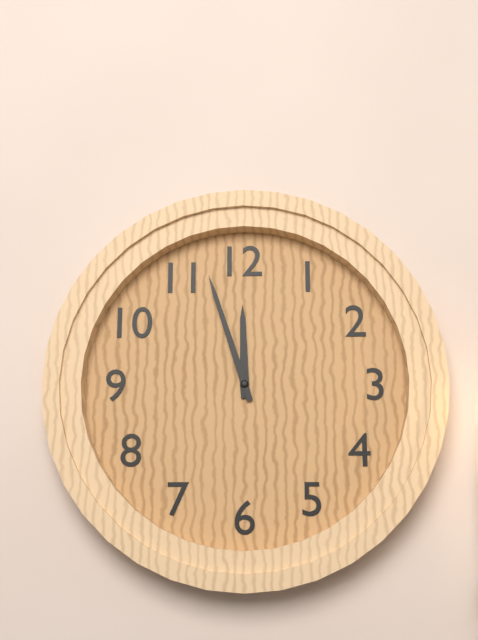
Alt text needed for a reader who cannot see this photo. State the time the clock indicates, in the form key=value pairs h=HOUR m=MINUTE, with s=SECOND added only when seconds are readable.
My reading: h=11 m=57
